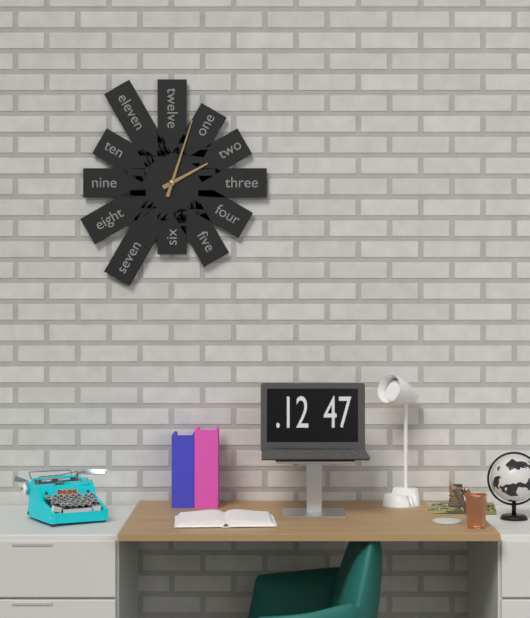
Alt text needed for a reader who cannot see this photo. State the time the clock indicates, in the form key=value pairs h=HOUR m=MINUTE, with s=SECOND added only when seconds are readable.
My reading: h=2 m=3
